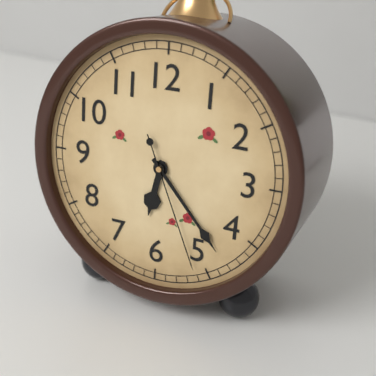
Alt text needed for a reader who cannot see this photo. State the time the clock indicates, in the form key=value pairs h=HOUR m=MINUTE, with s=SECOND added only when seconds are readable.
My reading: h=6 m=23 s=26
